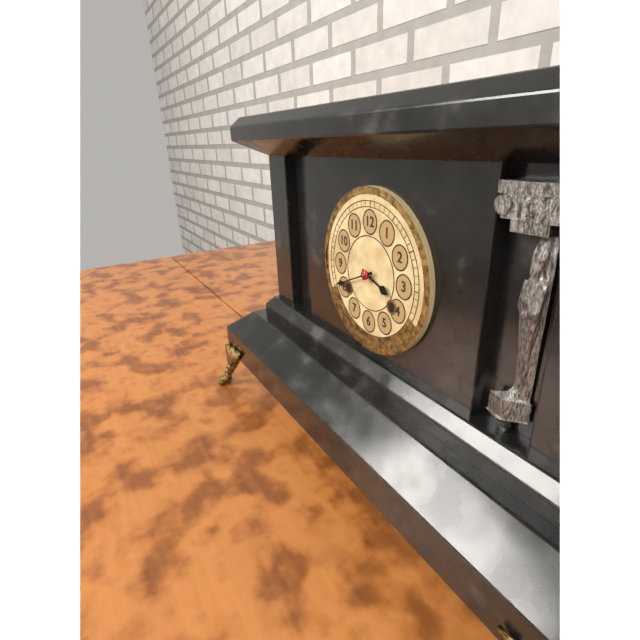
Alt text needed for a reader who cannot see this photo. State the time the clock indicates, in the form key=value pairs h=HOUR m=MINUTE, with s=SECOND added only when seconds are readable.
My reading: h=3 m=41
